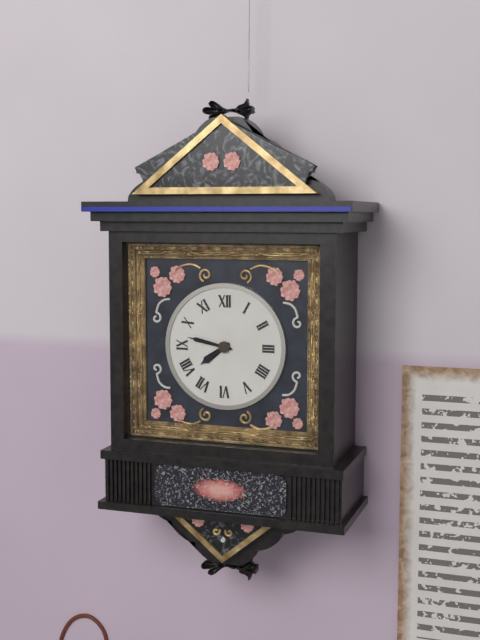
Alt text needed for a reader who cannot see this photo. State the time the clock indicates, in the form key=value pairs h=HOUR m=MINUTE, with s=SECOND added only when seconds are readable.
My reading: h=7 m=47
